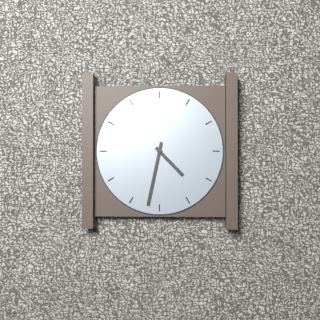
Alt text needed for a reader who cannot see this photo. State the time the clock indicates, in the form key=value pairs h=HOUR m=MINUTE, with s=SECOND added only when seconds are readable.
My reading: h=4 m=32
